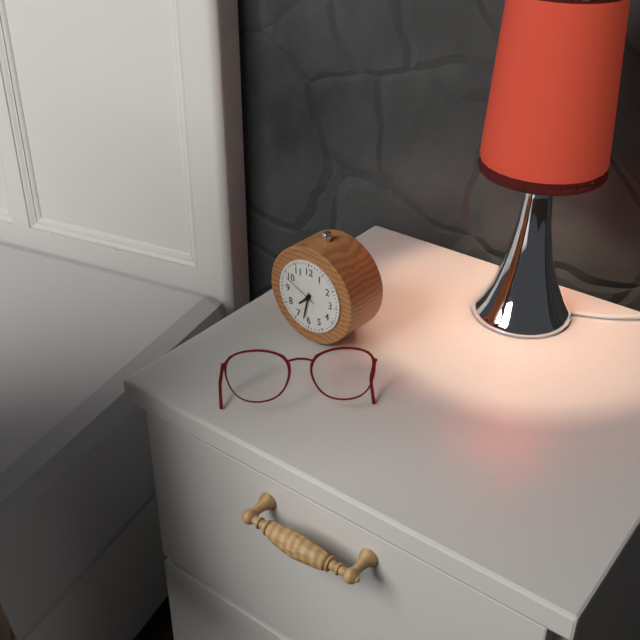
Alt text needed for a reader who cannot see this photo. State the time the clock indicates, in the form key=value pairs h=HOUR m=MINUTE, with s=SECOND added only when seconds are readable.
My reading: h=7 m=32
